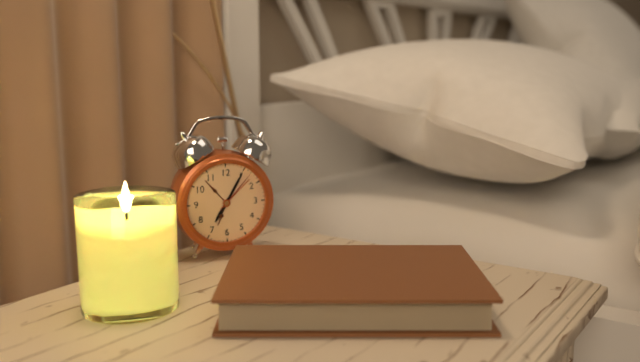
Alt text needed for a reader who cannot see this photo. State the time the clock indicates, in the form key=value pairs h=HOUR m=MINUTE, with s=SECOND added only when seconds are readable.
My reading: h=7 m=5
